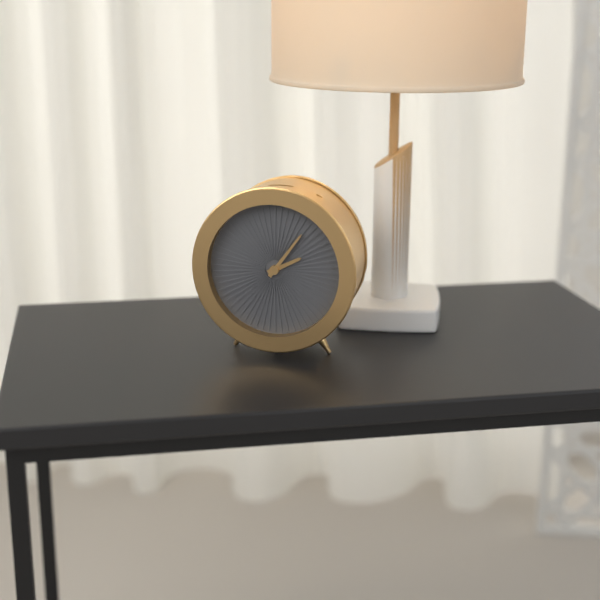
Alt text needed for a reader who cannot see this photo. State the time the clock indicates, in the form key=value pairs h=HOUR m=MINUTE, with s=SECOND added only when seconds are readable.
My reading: h=2 m=6
